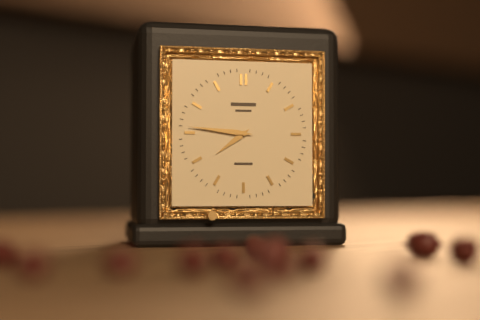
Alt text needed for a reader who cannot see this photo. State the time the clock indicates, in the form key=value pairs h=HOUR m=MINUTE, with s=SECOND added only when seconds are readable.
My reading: h=7 m=46
